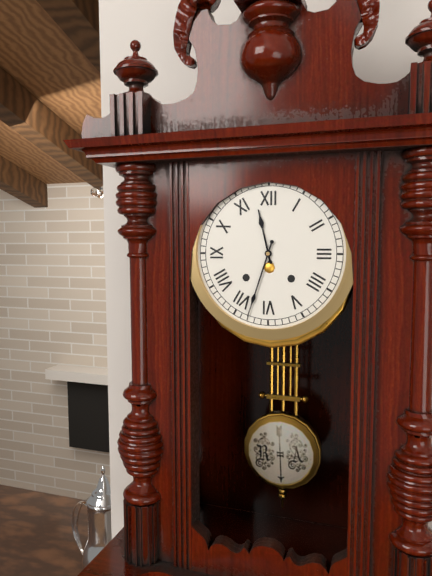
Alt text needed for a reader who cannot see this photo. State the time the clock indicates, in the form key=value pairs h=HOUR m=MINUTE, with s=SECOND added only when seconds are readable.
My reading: h=11 m=33
